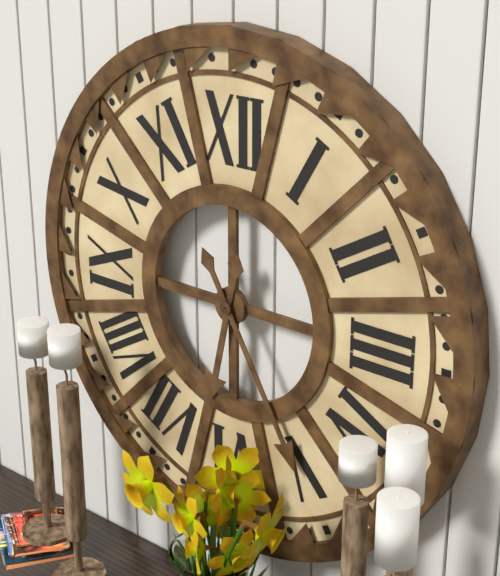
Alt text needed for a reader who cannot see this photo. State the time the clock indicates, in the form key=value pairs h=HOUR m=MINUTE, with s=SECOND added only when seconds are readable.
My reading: h=6 m=25
